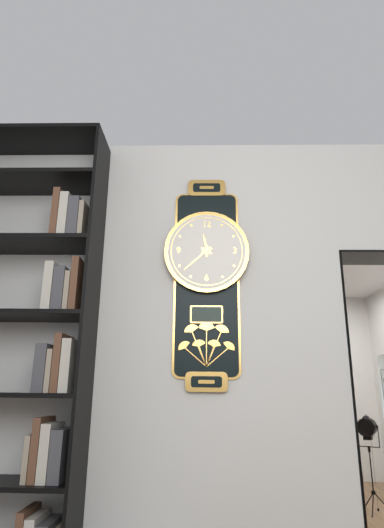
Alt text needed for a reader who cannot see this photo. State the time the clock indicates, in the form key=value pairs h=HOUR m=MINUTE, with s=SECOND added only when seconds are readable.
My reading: h=11 m=38
